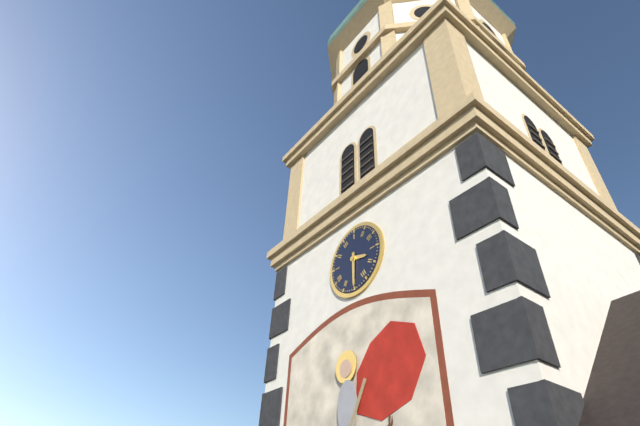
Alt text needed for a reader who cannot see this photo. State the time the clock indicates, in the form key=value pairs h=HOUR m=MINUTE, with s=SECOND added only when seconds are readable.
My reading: h=3 m=30
